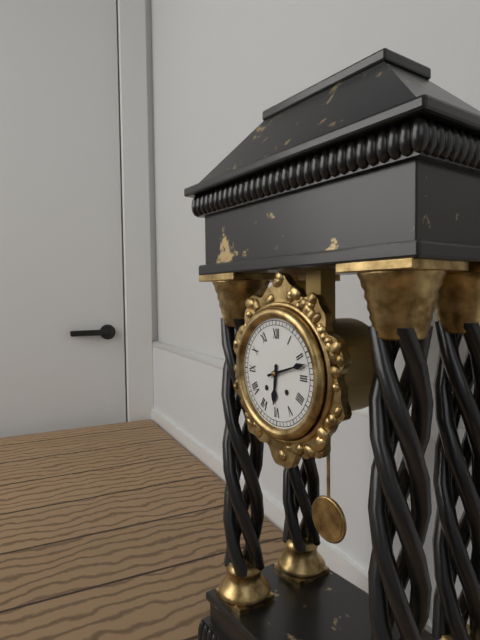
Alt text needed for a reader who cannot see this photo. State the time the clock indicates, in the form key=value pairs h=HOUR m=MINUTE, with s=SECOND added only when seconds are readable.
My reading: h=6 m=12
